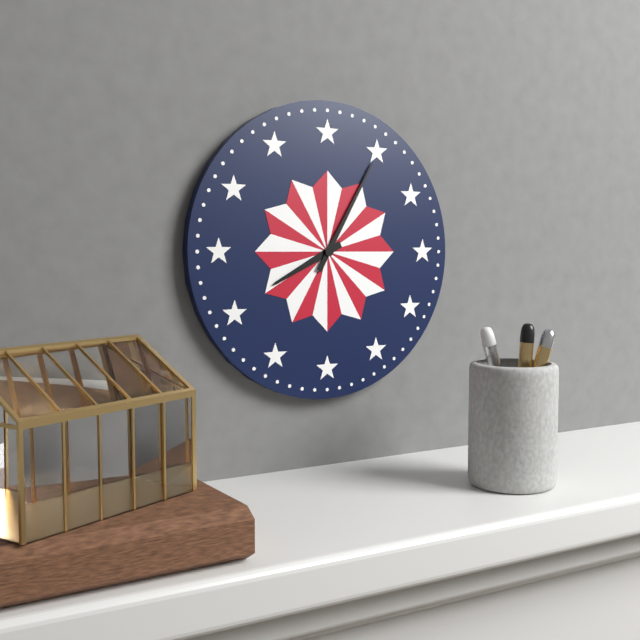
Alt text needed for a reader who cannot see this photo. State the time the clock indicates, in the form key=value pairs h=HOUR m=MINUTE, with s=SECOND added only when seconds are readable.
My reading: h=8 m=5
